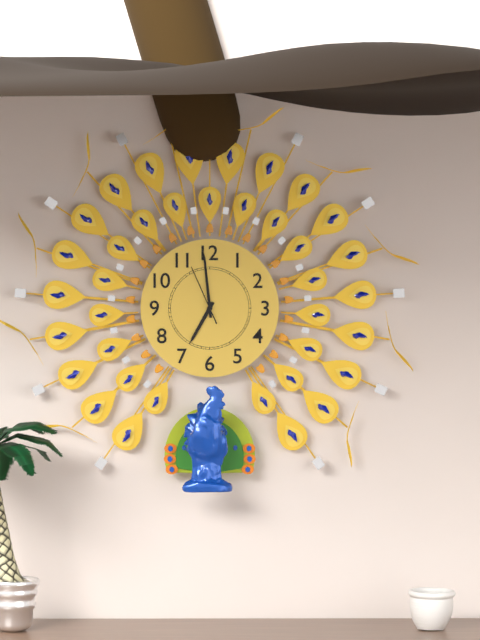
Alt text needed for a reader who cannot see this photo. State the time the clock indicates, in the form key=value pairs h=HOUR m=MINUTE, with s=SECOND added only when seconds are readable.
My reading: h=6 m=59 s=56
